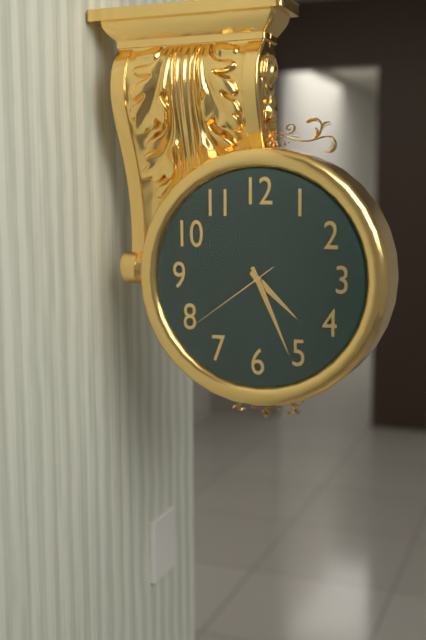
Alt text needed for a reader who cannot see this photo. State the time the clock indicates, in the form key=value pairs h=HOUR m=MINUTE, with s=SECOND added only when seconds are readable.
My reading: h=4 m=26 s=39
